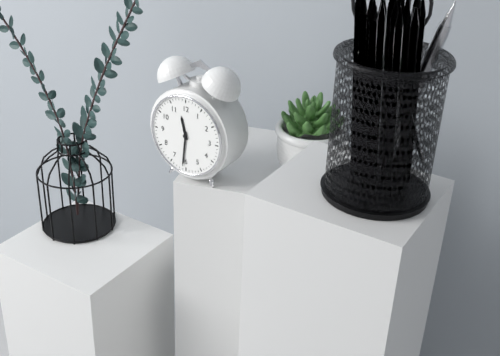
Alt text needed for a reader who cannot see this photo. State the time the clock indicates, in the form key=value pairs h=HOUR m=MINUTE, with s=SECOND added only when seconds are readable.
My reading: h=11 m=31
